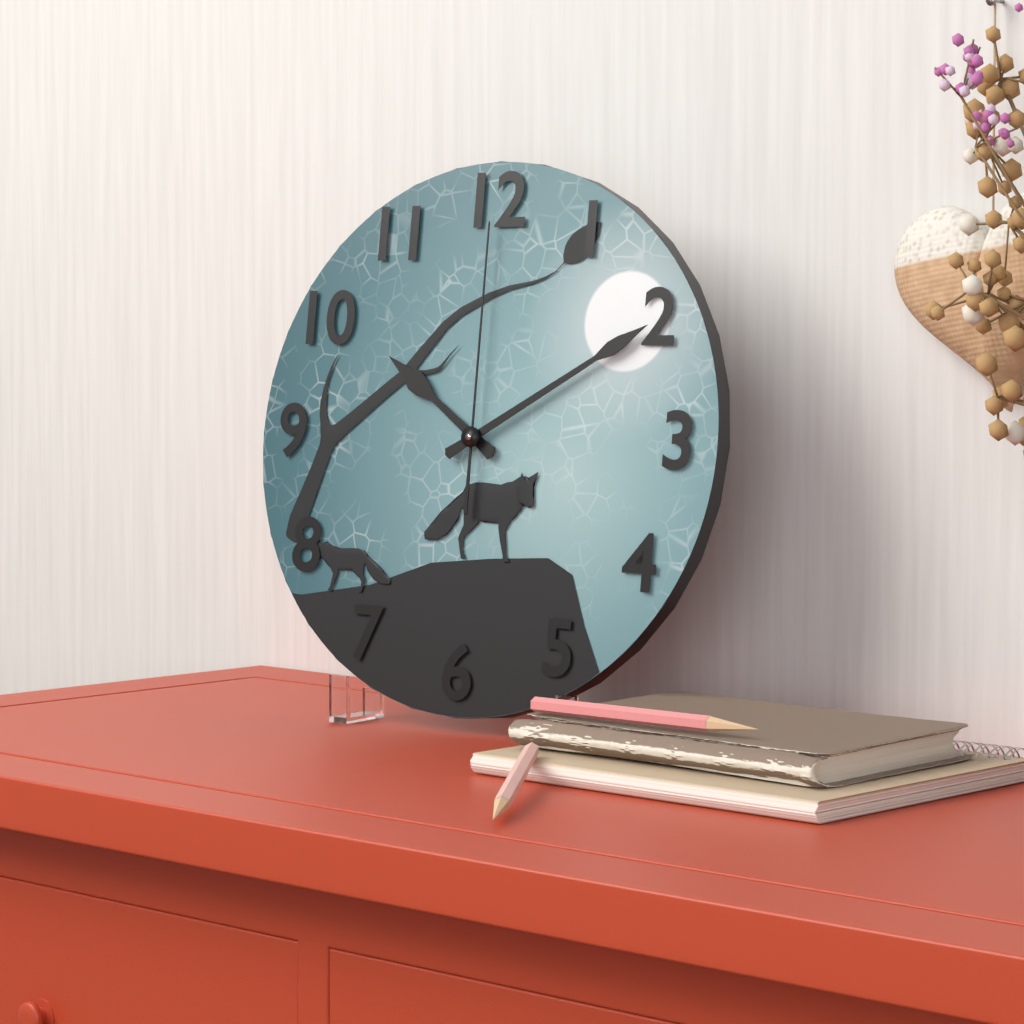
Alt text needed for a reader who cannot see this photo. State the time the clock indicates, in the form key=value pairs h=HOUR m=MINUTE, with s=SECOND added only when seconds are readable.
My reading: h=10 m=10 s=0
